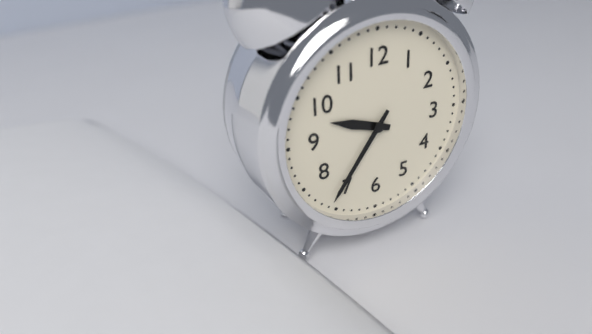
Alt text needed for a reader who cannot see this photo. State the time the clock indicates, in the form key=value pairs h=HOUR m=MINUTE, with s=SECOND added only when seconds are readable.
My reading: h=9 m=36
